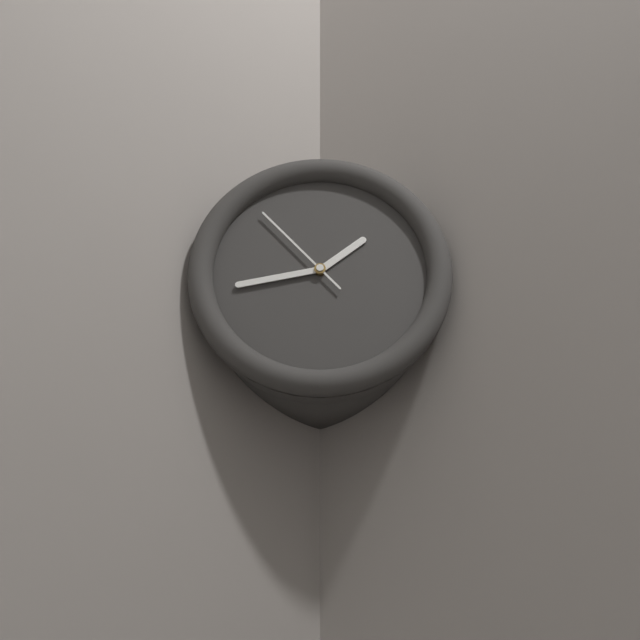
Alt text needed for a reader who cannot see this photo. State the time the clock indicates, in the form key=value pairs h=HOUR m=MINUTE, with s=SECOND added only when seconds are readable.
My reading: h=1 m=43 s=53
